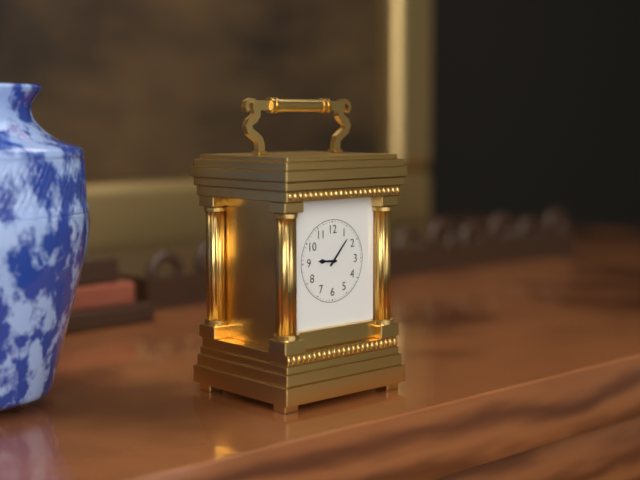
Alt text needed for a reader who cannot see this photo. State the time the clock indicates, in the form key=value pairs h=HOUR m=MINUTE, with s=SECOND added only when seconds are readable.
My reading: h=9 m=7
